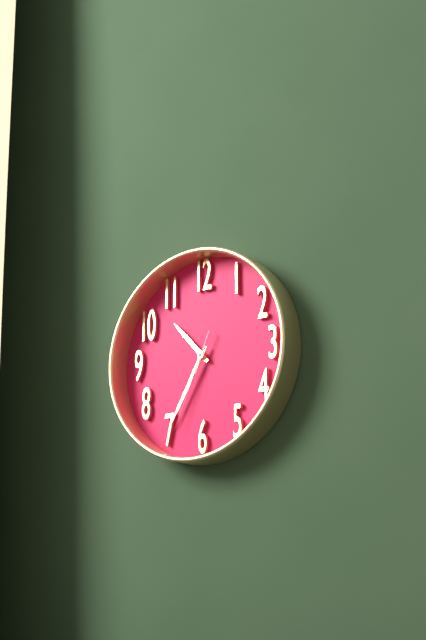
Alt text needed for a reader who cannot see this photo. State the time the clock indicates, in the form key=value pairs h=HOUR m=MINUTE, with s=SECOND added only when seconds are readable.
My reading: h=10 m=35 s=34
